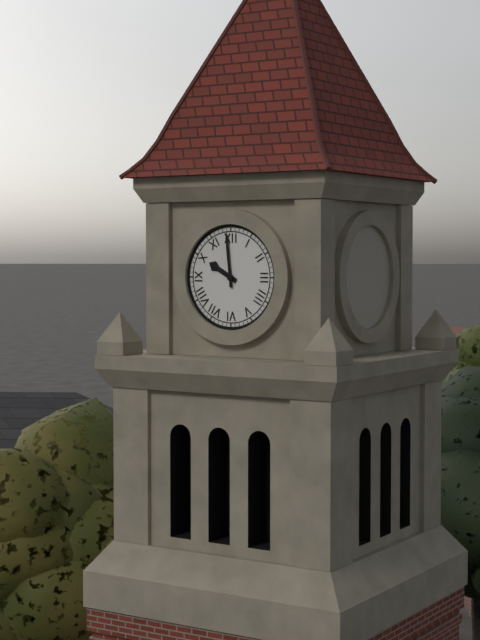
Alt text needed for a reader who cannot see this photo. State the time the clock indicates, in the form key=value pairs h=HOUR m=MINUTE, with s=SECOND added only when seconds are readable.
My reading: h=9 m=59
